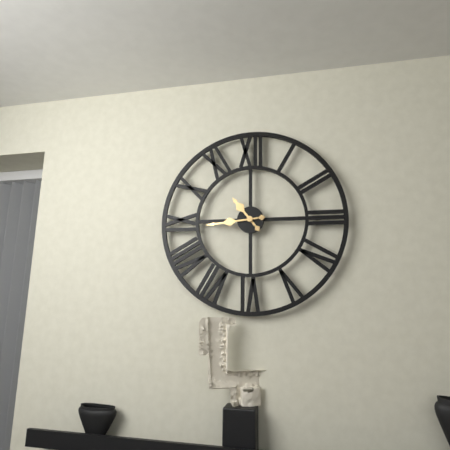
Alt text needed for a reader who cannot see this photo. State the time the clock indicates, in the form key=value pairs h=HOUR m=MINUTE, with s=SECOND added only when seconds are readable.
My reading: h=10 m=44
